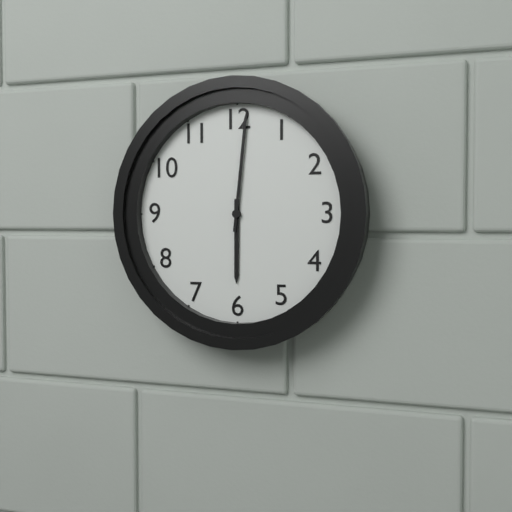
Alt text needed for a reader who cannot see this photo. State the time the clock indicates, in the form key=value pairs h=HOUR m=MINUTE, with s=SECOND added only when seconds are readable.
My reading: h=6 m=1
